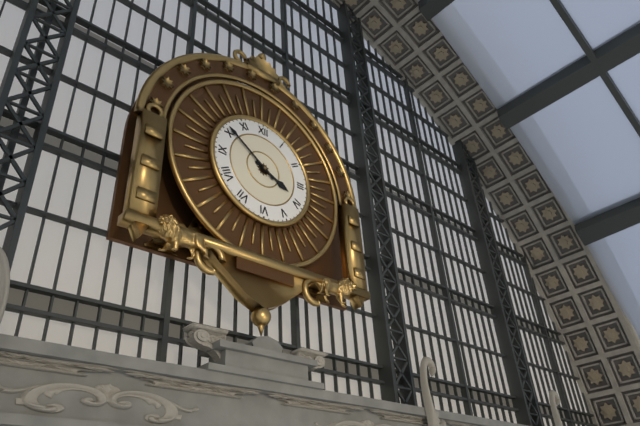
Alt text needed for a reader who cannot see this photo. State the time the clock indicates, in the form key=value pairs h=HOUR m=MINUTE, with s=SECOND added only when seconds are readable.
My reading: h=3 m=51
